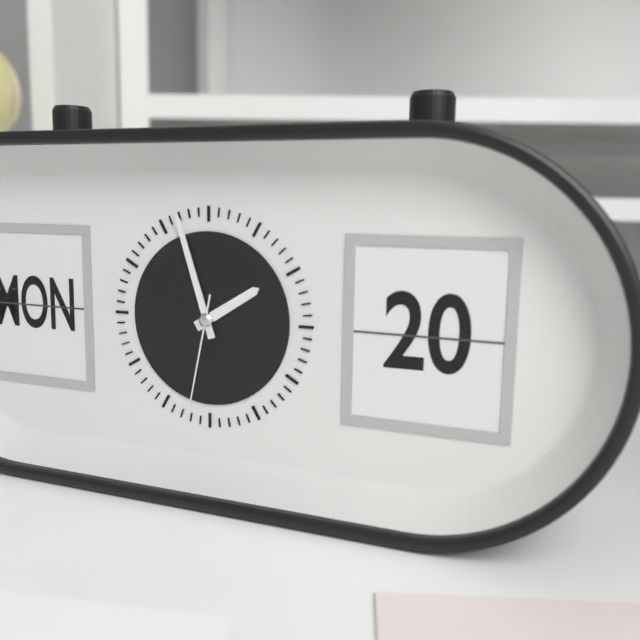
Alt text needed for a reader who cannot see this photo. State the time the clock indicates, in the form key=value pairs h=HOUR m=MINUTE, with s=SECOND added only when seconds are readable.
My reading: h=1 m=57 s=32
